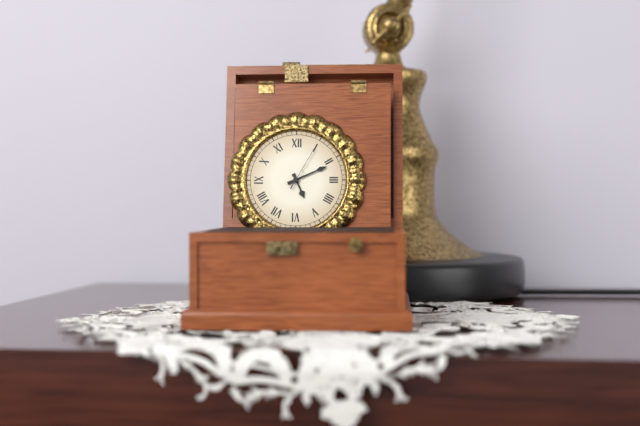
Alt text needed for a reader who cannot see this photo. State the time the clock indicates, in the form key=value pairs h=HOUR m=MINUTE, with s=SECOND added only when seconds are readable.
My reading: h=5 m=11
